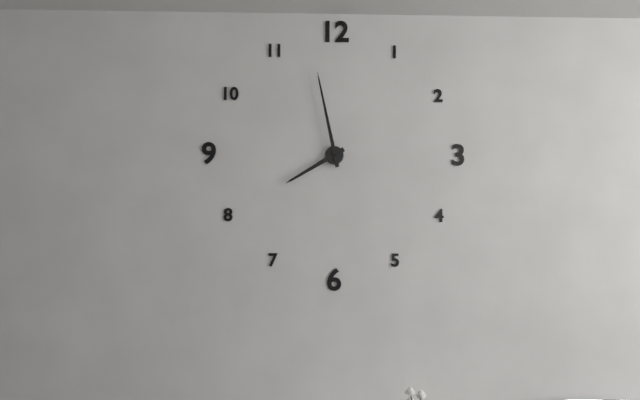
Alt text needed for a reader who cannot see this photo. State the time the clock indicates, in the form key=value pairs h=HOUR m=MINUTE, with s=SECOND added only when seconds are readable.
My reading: h=7 m=58
